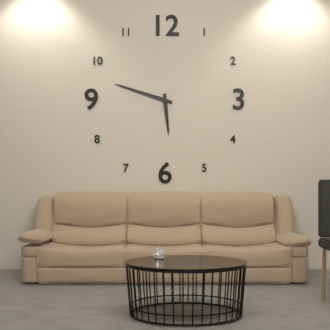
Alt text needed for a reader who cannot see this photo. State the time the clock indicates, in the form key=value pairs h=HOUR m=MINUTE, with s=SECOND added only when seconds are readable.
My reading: h=5 m=48
